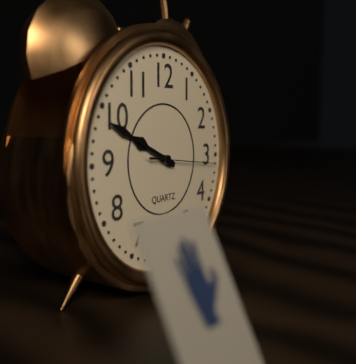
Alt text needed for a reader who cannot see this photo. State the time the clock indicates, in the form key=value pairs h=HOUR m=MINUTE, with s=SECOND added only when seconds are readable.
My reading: h=9 m=49 s=16
